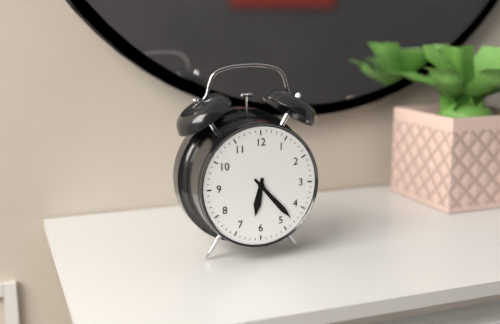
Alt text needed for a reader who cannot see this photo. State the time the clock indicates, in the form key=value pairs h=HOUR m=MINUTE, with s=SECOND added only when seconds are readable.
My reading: h=6 m=23
